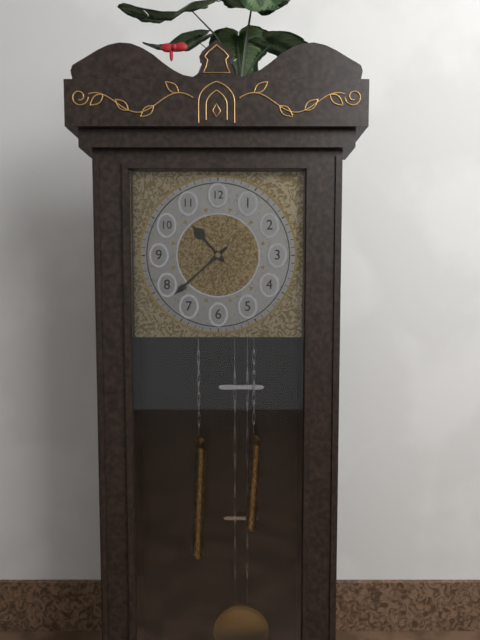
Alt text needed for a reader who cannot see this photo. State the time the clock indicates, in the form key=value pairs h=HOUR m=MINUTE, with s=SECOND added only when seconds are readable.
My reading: h=10 m=38
